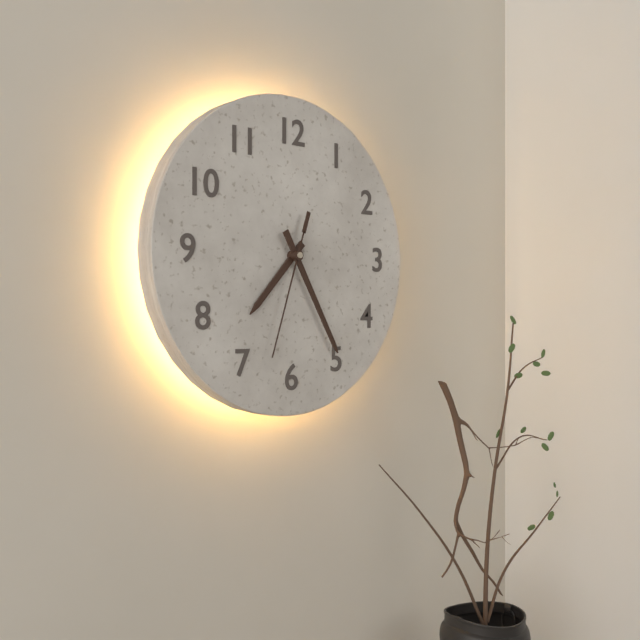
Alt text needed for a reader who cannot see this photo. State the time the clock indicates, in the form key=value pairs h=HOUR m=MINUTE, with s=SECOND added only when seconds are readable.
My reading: h=7 m=25 s=33
